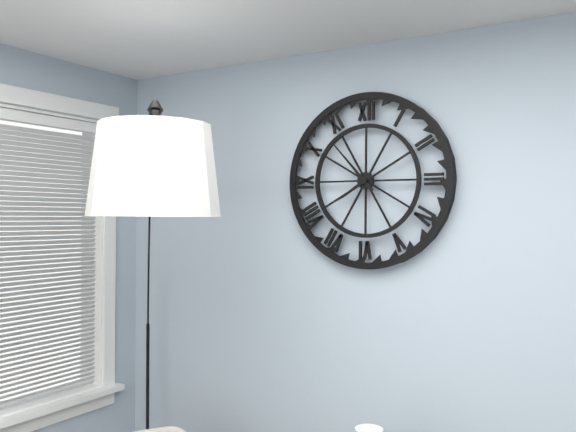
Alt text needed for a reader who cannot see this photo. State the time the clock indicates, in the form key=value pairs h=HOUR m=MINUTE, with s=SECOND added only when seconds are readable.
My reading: h=7 m=53
